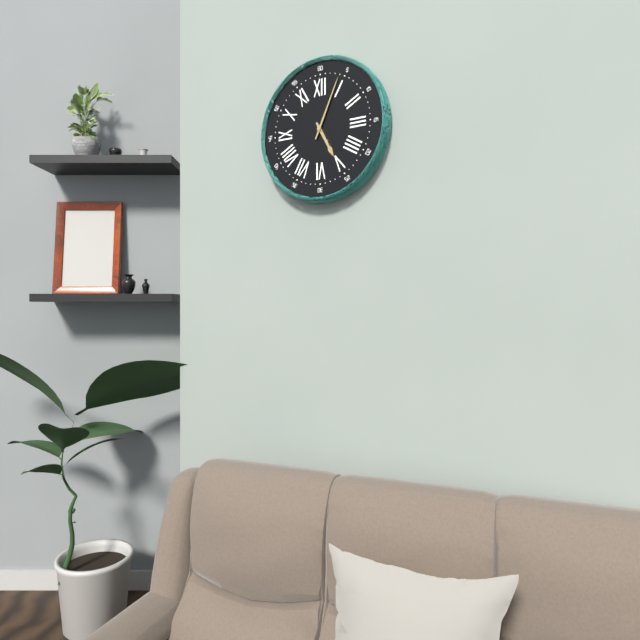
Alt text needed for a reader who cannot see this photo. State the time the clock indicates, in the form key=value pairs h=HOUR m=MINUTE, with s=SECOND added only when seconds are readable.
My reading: h=5 m=4
